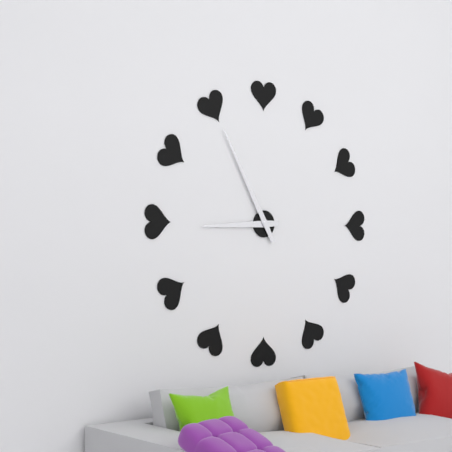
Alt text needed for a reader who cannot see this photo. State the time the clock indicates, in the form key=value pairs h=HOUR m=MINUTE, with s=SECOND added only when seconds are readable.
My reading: h=8 m=55
